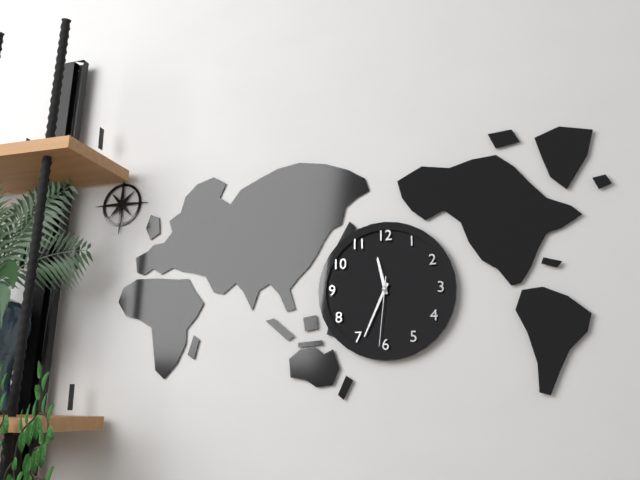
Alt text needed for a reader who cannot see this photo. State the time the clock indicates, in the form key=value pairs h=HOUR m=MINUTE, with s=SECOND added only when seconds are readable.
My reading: h=11 m=34 s=31
